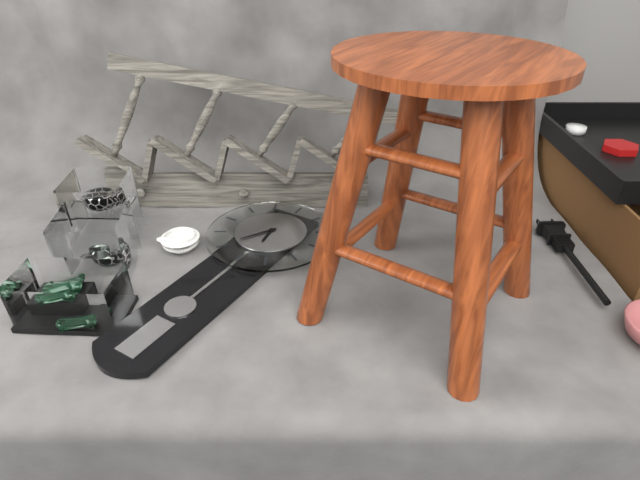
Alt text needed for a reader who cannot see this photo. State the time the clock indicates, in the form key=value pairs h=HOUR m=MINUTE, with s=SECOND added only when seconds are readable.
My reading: h=5 m=35
